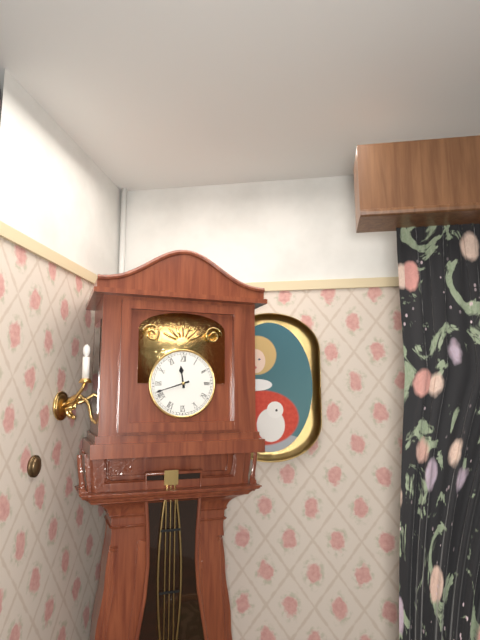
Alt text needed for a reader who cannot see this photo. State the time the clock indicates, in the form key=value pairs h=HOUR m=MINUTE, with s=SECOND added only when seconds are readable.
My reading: h=11 m=42
